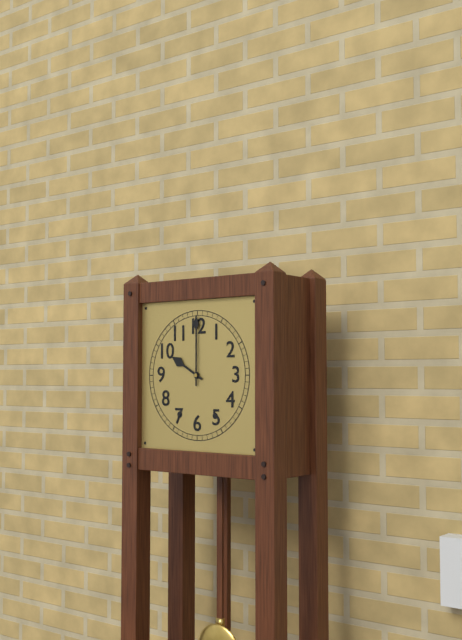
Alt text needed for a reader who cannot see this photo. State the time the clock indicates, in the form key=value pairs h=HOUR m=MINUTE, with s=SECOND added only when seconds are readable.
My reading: h=10 m=0
